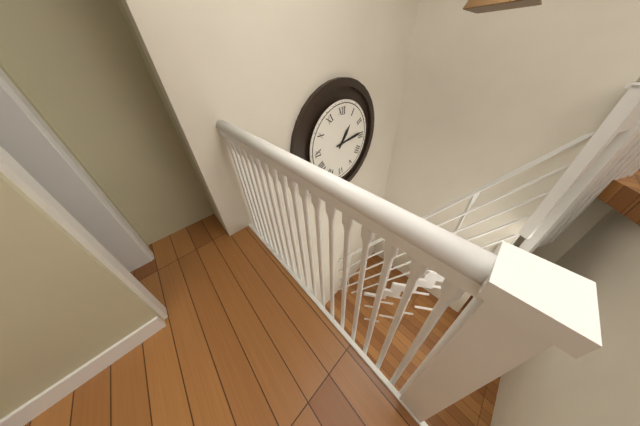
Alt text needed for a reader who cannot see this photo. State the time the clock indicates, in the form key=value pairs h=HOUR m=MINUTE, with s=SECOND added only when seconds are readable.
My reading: h=1 m=14
